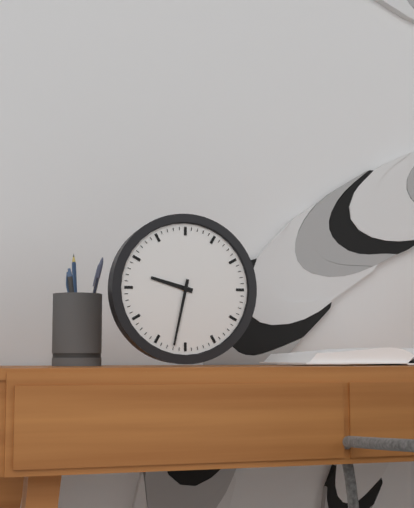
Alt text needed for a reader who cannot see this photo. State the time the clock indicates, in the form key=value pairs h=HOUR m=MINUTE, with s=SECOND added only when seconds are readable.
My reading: h=9 m=32
